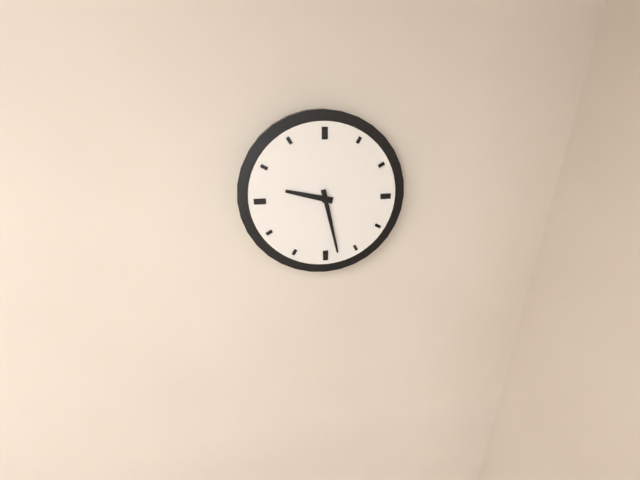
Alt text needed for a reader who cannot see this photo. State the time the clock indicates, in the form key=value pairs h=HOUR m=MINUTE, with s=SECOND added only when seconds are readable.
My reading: h=9 m=28
